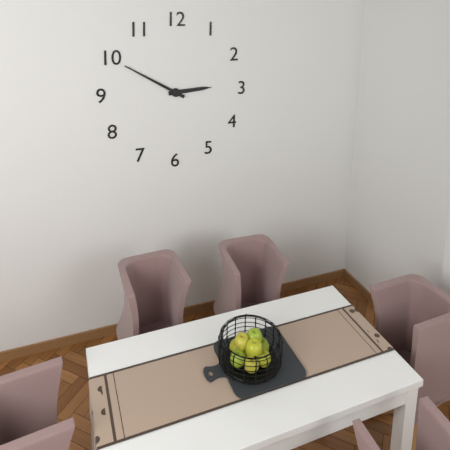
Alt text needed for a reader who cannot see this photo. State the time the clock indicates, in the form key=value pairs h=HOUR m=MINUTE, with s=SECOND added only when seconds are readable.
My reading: h=2 m=50
